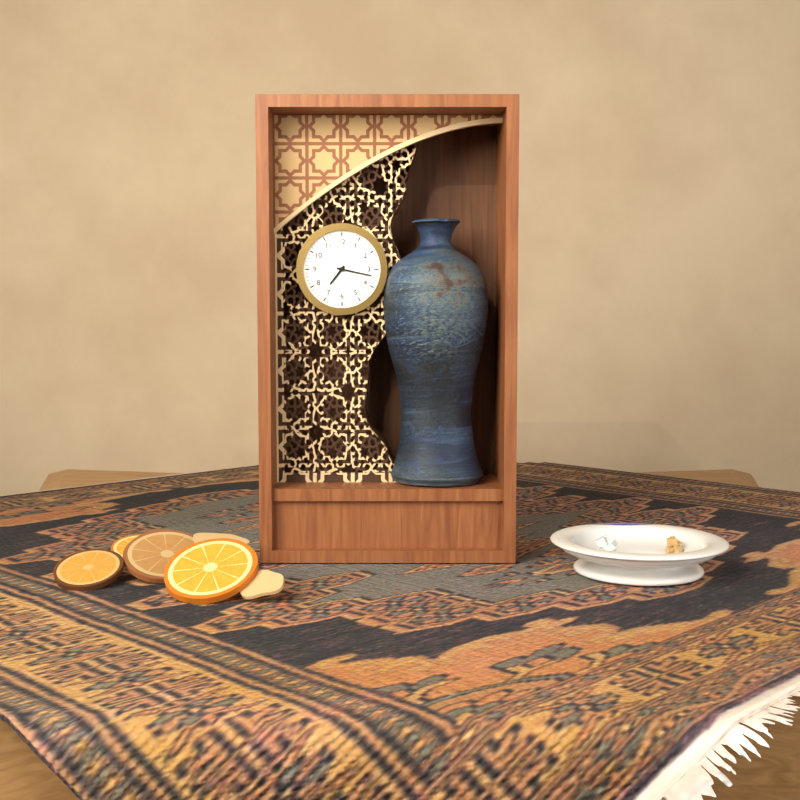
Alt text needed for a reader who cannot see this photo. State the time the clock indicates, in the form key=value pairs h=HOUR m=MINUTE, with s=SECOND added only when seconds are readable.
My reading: h=7 m=17
